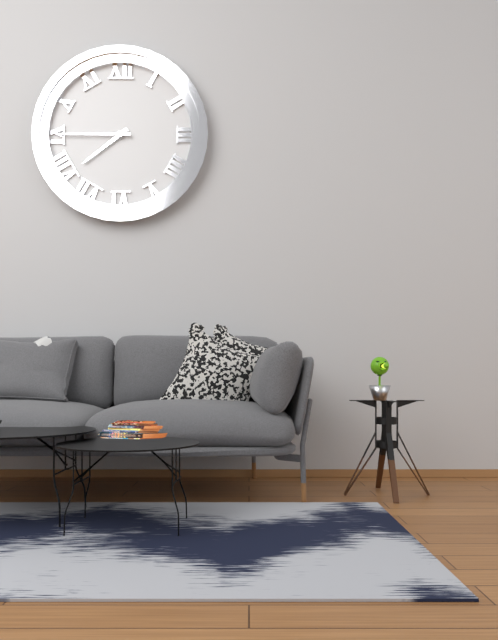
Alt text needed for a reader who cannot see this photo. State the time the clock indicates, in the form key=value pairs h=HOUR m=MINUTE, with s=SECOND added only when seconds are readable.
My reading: h=7 m=45
